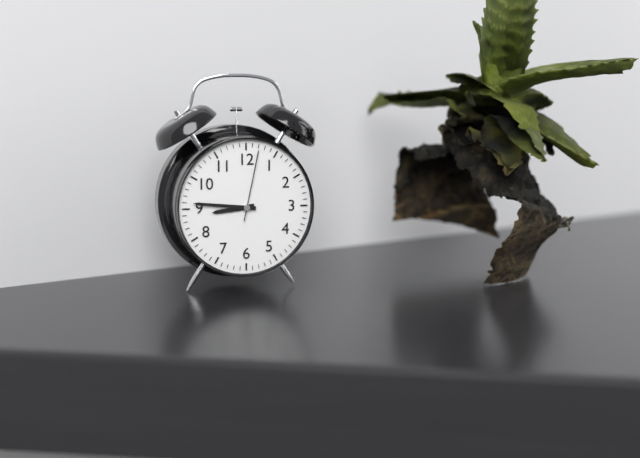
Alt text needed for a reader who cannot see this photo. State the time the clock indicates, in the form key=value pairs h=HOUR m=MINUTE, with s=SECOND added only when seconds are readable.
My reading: h=8 m=46 s=2
